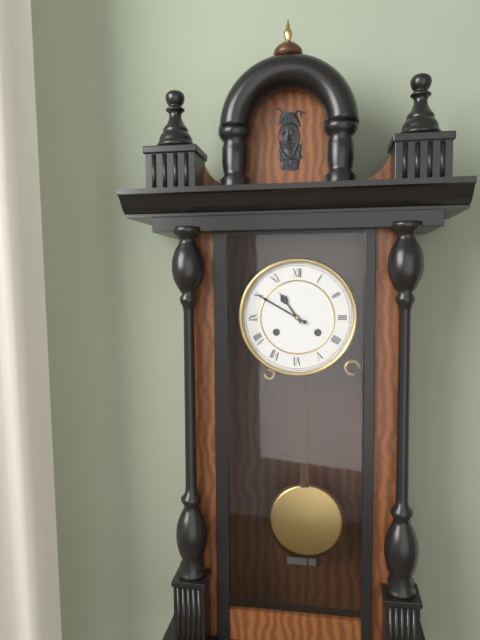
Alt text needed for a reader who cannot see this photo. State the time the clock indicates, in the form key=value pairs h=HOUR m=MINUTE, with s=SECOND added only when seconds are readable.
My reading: h=10 m=50
